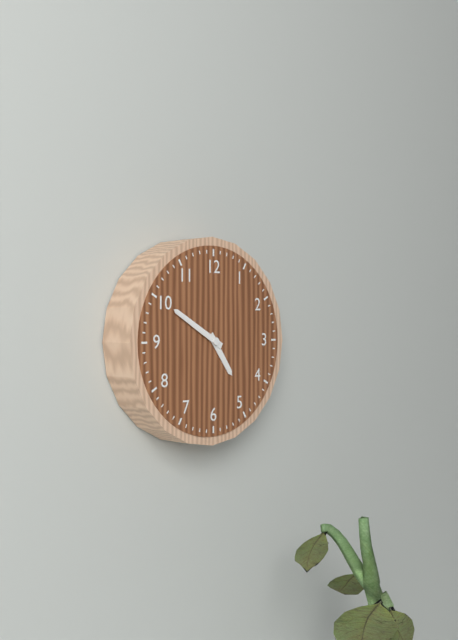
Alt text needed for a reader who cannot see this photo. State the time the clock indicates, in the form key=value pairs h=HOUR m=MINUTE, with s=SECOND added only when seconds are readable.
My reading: h=4 m=50
